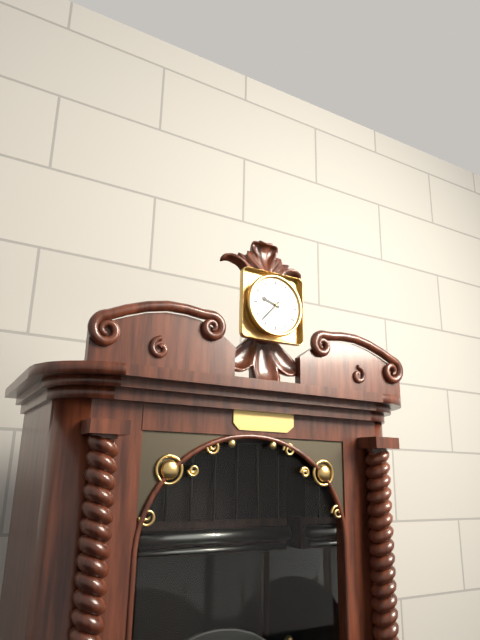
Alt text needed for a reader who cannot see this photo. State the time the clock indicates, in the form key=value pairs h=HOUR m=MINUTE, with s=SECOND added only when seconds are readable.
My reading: h=9 m=37
